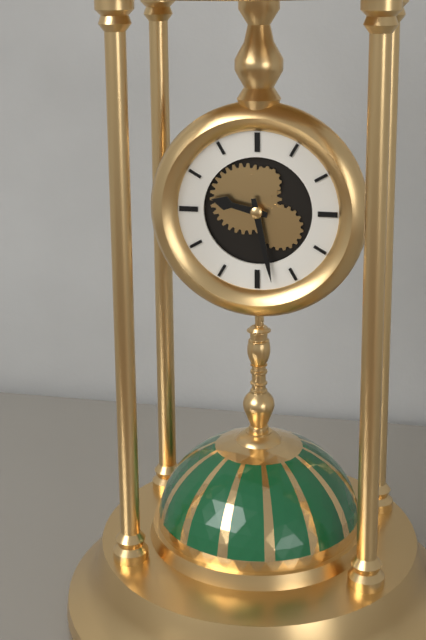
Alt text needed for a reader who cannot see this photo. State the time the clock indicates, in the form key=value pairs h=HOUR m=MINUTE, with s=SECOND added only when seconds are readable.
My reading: h=9 m=28
